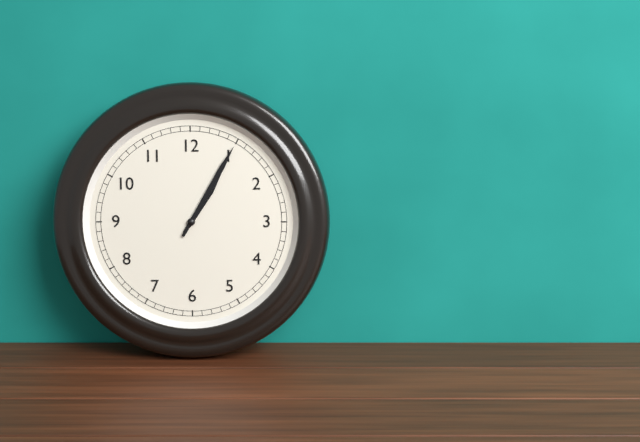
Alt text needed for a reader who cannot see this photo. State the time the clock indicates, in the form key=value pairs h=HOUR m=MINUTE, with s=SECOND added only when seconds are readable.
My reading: h=1 m=5
